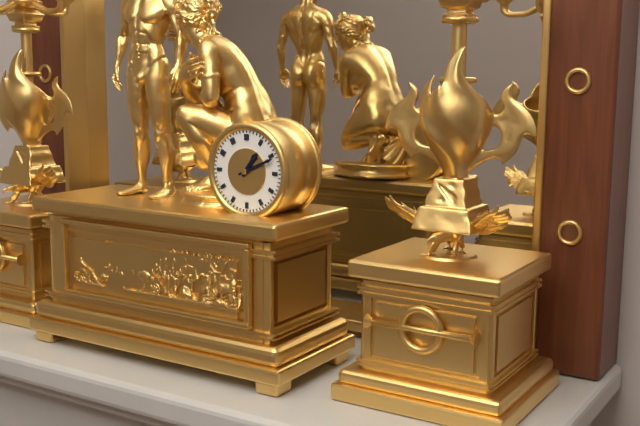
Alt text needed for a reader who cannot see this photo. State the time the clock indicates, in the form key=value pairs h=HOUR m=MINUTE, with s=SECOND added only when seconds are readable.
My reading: h=1 m=11
